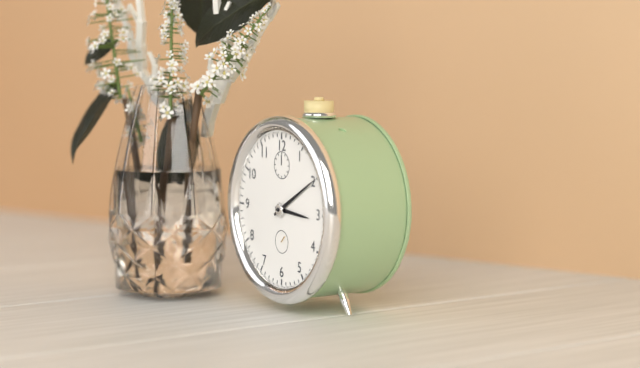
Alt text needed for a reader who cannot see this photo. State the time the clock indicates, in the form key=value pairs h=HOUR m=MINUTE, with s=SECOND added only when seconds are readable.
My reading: h=3 m=10
